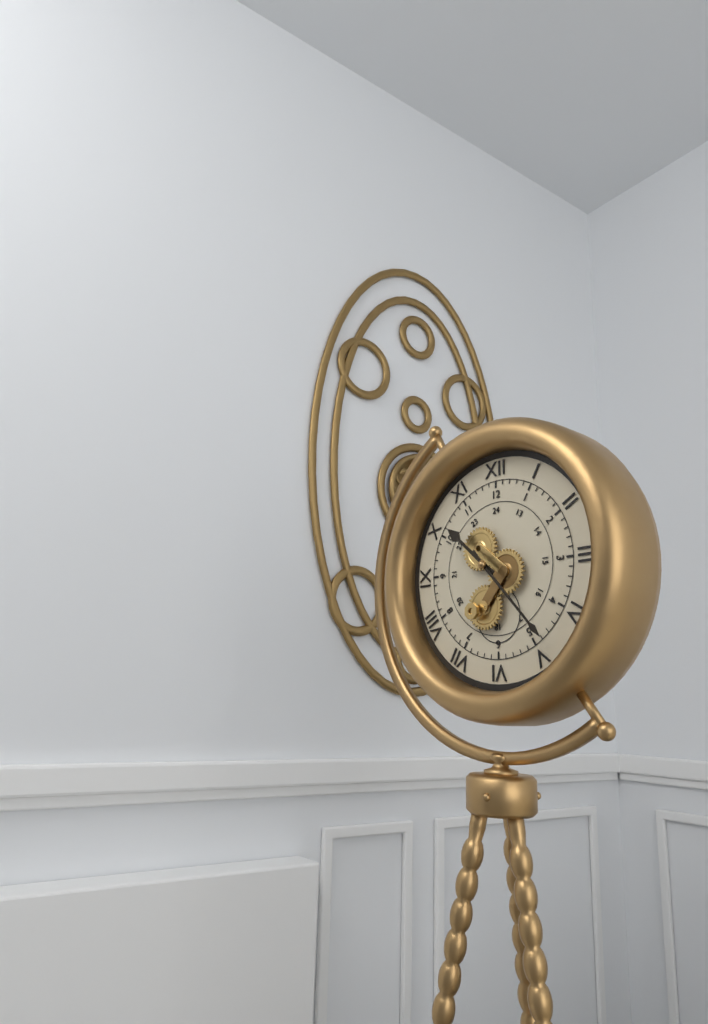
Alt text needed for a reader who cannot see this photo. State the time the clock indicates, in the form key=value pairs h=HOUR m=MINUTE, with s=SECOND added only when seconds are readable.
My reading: h=10 m=23
